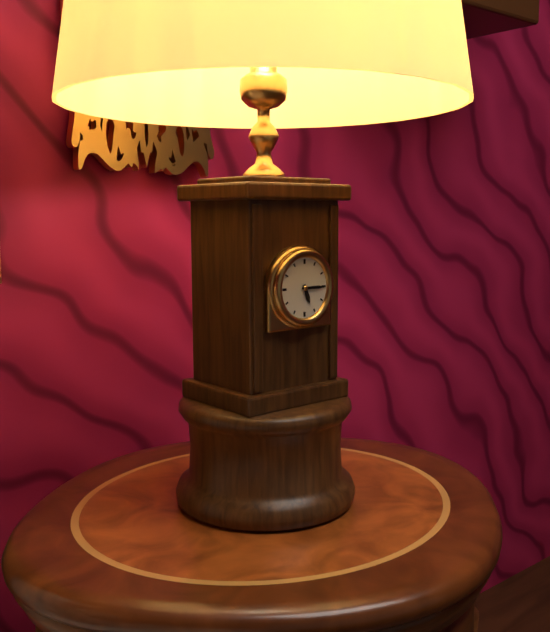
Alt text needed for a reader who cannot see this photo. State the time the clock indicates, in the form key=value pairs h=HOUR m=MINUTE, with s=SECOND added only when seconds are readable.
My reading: h=5 m=15
